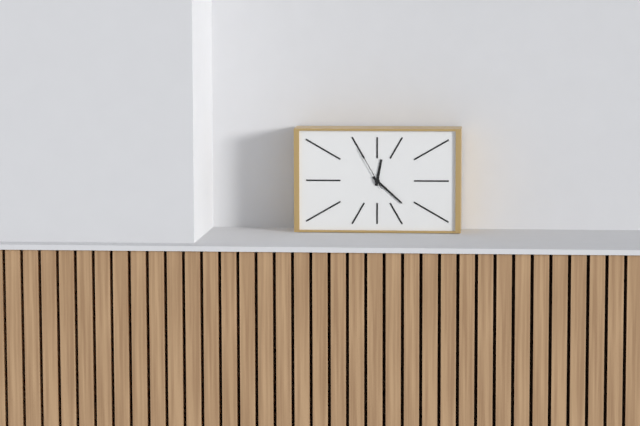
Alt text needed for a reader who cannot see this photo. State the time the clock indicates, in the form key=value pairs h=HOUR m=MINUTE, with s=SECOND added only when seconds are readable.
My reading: h=12 m=22
